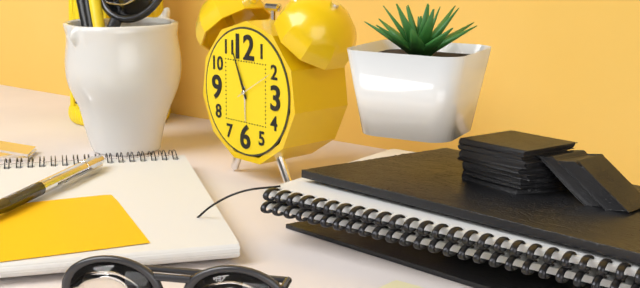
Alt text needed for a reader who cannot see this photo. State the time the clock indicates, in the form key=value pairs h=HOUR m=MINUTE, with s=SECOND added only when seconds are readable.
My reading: h=5 m=56
